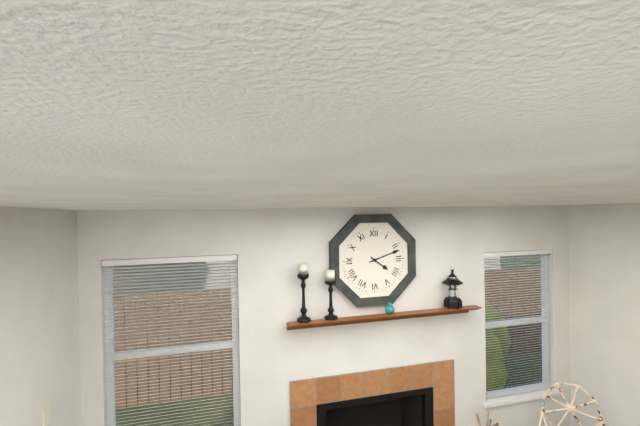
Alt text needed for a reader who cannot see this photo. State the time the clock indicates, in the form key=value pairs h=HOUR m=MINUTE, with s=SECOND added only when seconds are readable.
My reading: h=4 m=12
